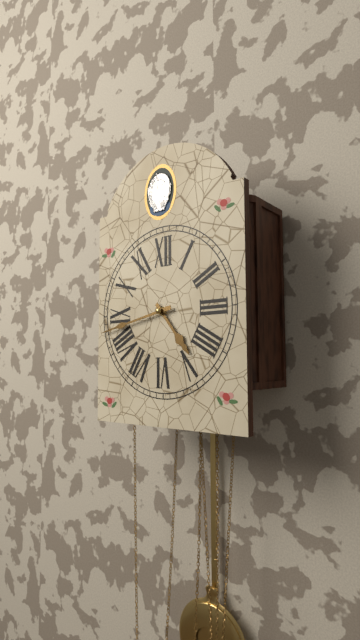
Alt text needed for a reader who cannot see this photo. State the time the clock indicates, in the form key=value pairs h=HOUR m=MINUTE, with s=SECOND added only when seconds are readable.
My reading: h=4 m=43
